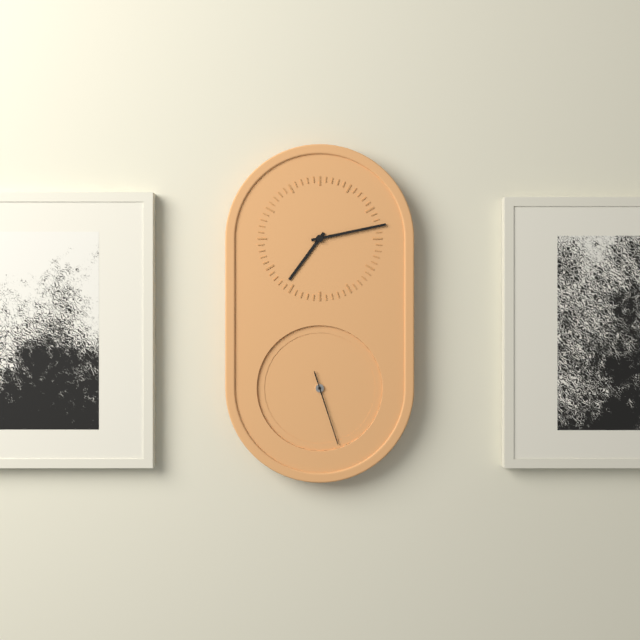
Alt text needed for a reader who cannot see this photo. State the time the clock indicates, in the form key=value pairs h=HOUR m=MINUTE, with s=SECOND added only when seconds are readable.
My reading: h=7 m=13 s=27
